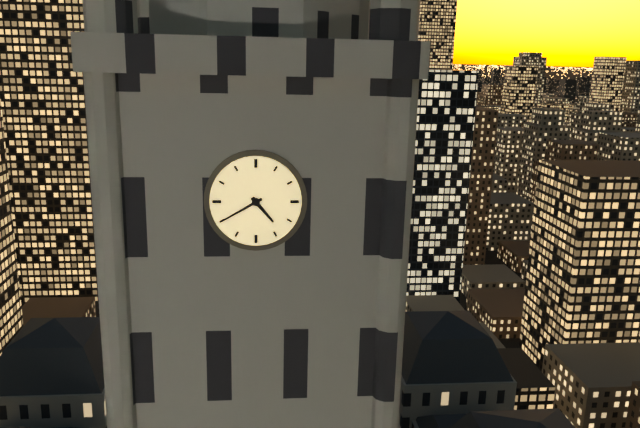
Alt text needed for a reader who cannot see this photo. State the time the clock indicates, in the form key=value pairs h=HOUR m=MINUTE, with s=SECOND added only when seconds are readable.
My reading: h=4 m=40
